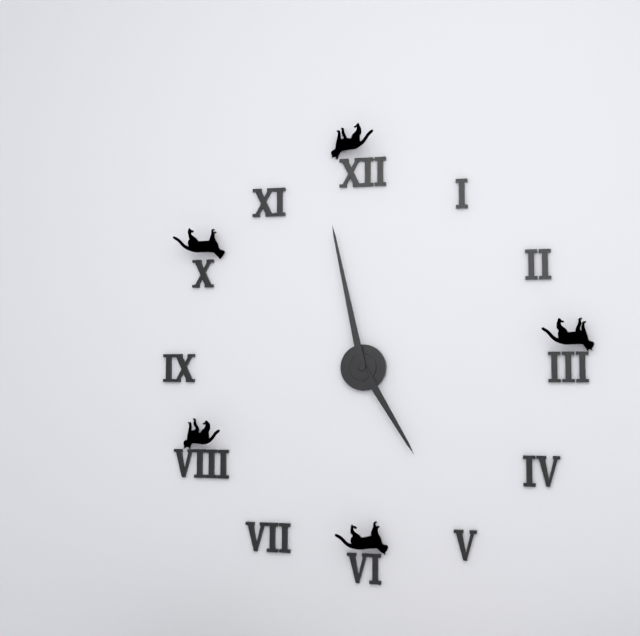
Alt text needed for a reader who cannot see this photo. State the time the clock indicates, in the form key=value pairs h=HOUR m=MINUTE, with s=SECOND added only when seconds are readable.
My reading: h=4 m=58
